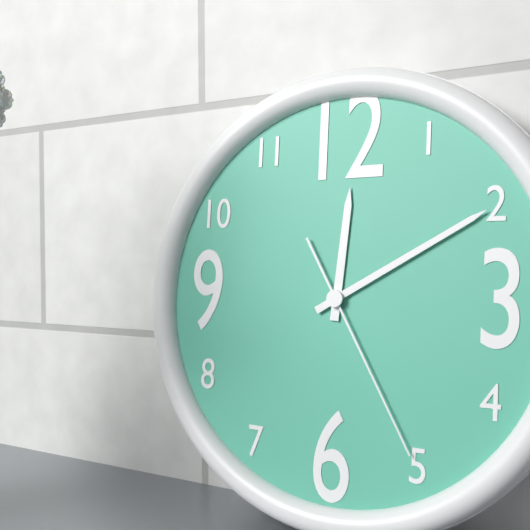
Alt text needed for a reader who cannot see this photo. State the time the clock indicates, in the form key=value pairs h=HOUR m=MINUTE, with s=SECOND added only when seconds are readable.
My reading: h=12 m=10 s=25
